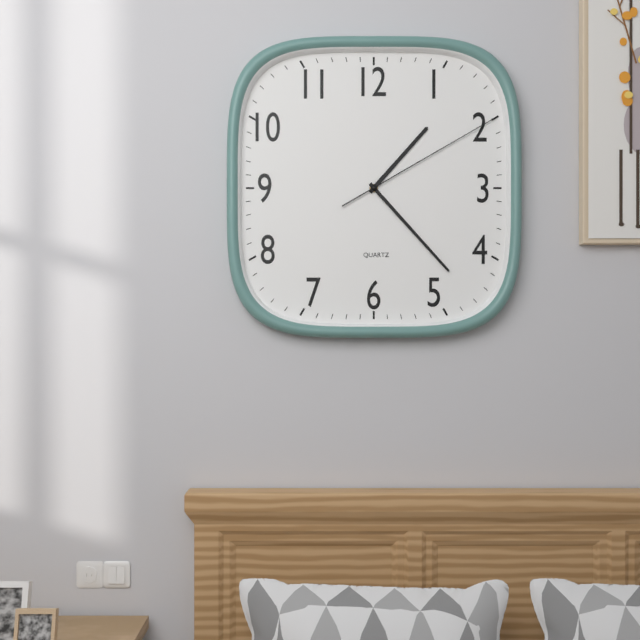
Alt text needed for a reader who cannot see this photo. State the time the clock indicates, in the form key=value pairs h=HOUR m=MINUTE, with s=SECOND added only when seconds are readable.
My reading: h=1 m=23 s=10
